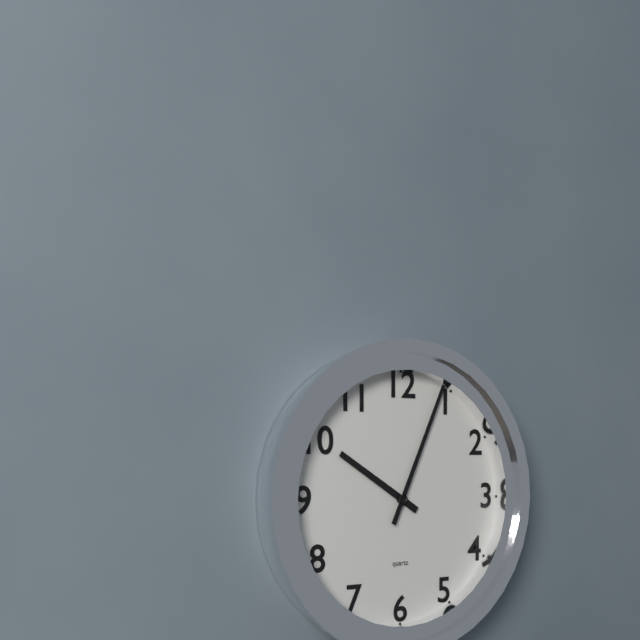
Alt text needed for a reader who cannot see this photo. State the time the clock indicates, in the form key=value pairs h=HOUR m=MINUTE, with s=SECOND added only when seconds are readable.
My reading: h=10 m=4
